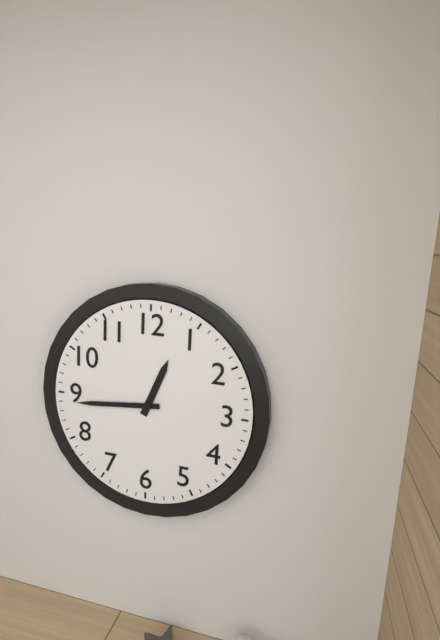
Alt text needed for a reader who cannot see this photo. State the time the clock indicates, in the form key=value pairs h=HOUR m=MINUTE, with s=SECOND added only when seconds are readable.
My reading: h=12 m=44
